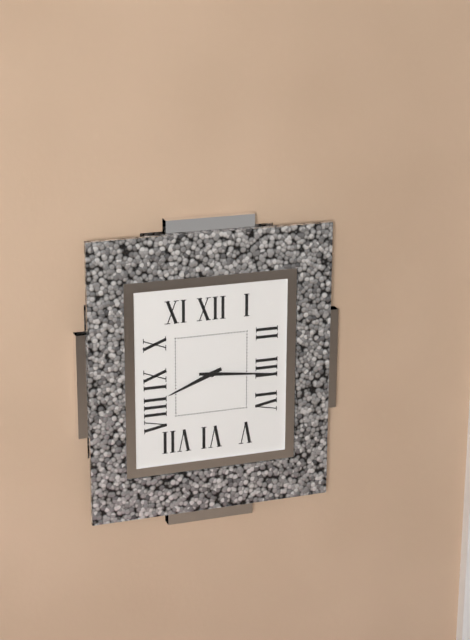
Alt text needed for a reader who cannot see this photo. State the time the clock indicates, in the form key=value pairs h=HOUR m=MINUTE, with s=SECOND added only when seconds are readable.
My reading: h=8 m=16
